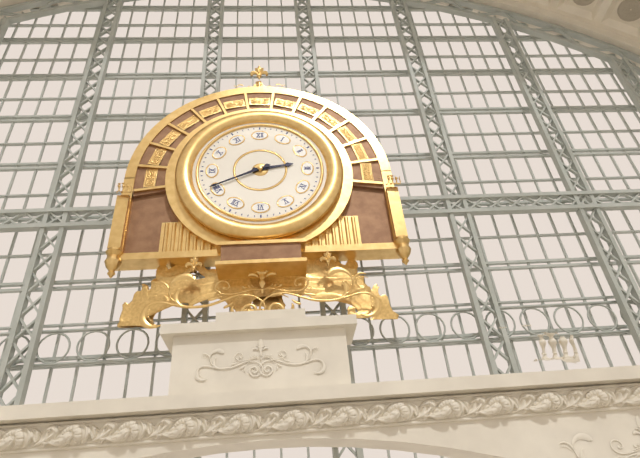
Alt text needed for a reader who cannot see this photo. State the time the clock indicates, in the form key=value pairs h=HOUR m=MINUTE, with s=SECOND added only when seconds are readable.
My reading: h=2 m=41
